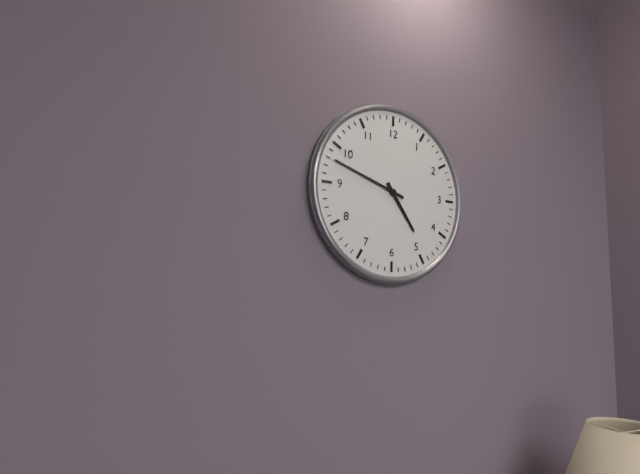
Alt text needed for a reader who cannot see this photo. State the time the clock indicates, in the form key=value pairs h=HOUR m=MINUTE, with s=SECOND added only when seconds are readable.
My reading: h=4 m=48
